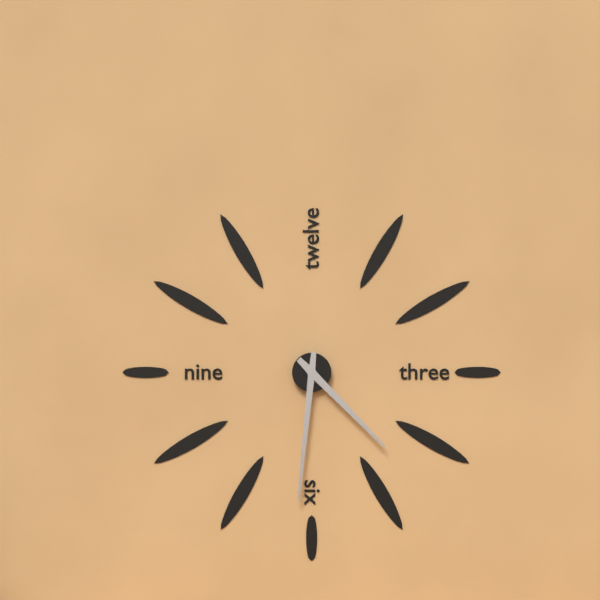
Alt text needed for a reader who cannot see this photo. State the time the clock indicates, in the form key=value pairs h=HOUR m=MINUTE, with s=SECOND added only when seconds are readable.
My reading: h=4 m=31
